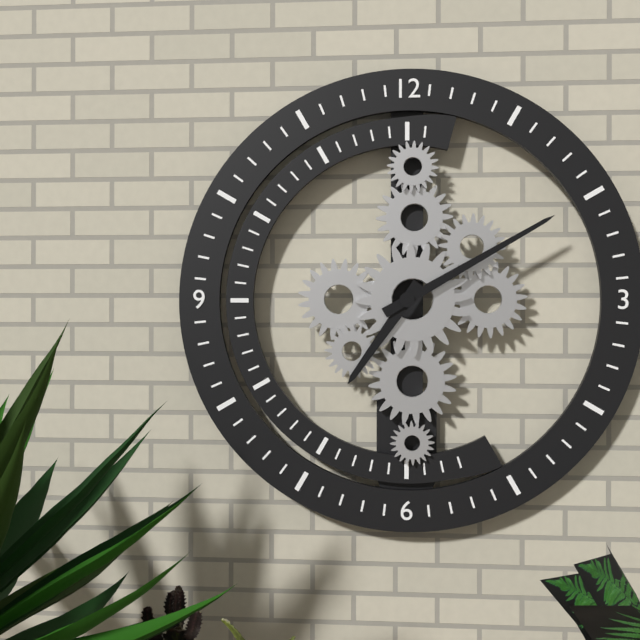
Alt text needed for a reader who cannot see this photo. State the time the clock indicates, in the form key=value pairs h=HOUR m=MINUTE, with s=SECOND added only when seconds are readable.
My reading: h=7 m=10
